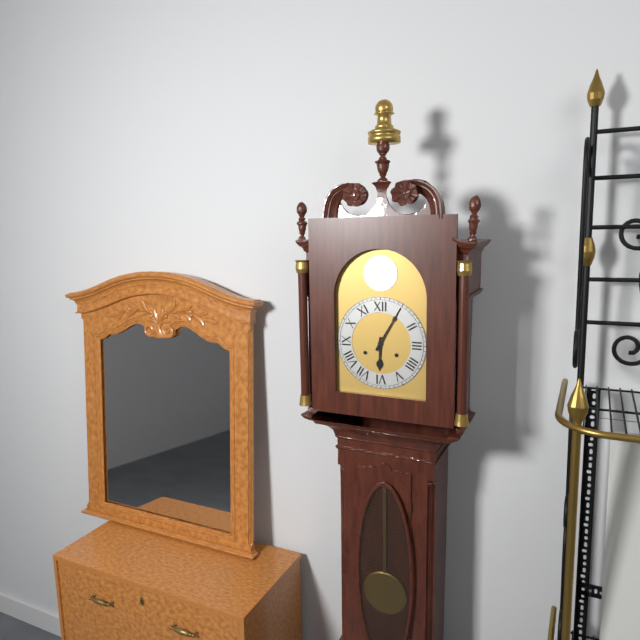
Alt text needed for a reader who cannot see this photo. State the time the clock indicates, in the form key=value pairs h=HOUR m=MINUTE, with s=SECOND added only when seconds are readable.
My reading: h=6 m=5
